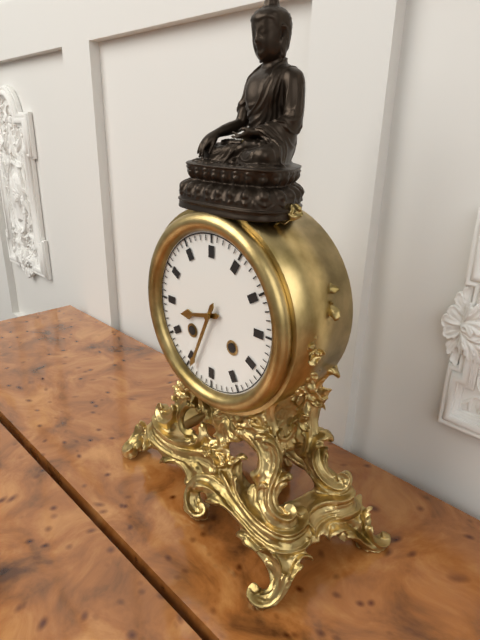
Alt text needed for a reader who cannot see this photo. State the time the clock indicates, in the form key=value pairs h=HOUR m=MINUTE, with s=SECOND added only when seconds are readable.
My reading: h=8 m=34
